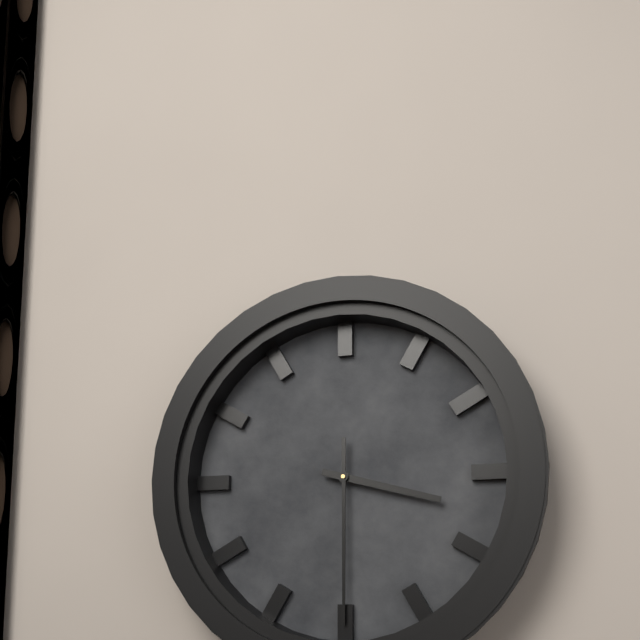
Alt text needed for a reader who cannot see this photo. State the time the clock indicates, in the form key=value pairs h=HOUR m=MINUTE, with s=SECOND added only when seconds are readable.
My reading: h=3 m=30
